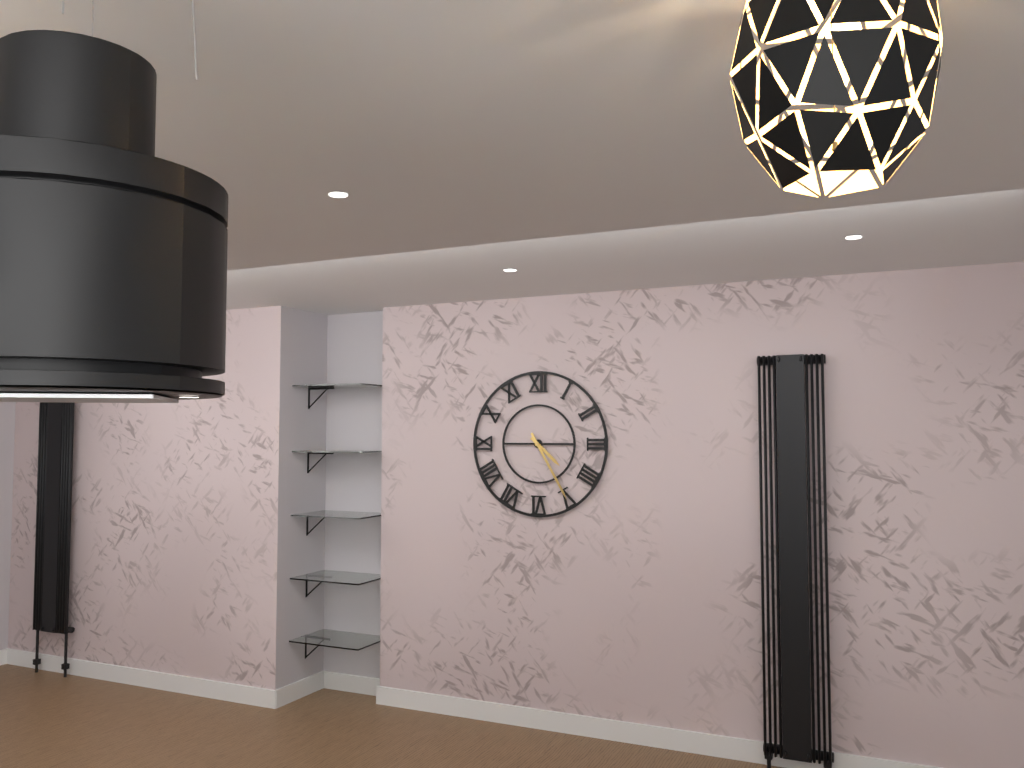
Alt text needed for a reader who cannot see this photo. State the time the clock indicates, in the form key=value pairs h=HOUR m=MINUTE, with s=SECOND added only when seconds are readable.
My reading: h=4 m=25
